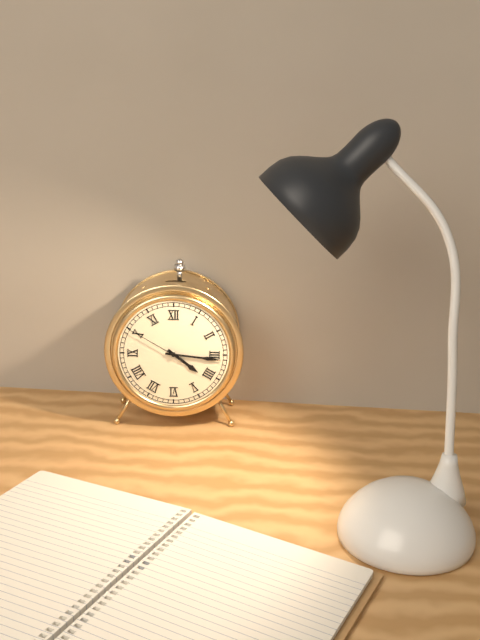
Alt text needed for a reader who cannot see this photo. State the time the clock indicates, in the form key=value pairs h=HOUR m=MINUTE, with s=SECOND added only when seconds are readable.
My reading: h=4 m=16 s=50
